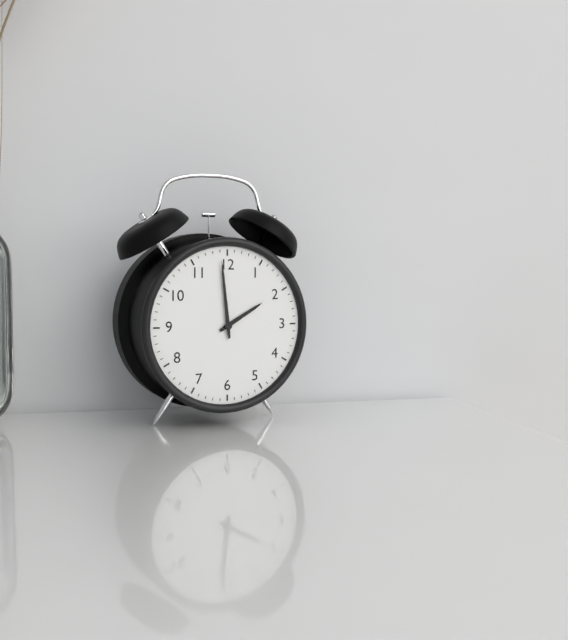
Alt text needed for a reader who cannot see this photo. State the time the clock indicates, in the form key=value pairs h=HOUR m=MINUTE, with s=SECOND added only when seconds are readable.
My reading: h=1 m=59
